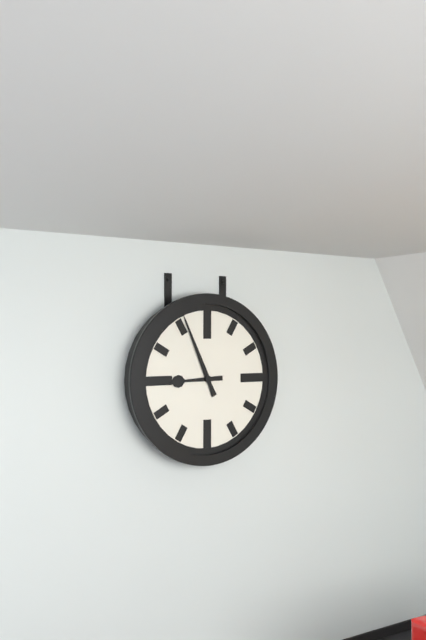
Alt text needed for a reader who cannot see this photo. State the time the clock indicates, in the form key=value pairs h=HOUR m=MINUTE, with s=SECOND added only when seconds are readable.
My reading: h=8 m=56
